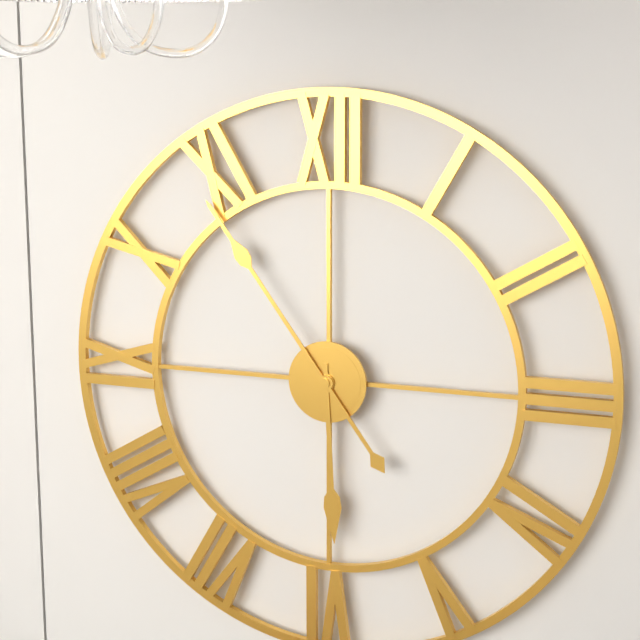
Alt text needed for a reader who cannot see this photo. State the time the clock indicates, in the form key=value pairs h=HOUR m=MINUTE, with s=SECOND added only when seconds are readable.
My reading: h=5 m=54
